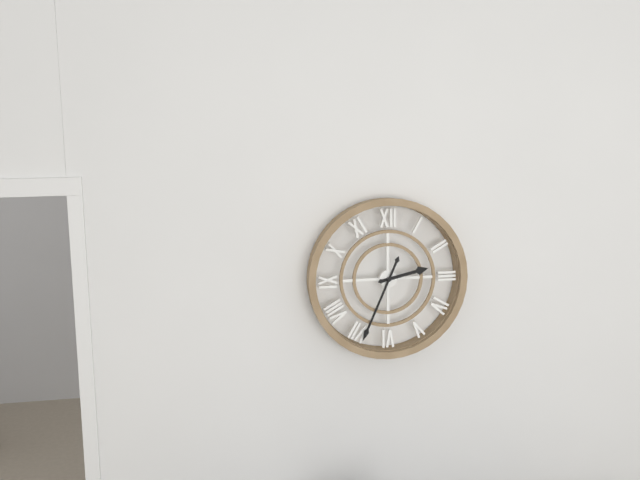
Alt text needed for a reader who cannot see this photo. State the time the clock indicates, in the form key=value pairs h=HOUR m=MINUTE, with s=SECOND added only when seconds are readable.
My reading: h=2 m=34
